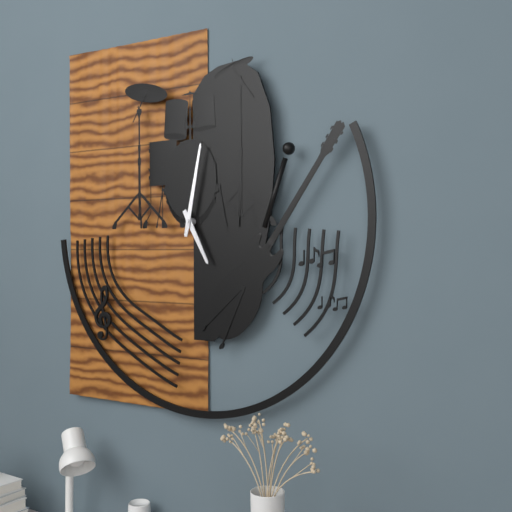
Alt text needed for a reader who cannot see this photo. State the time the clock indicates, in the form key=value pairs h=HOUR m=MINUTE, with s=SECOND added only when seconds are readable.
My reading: h=5 m=2
